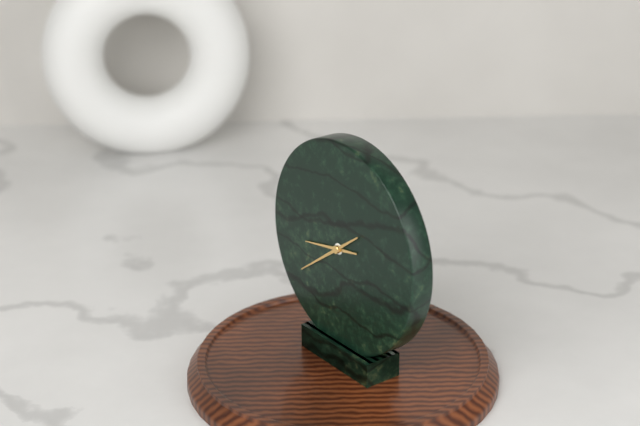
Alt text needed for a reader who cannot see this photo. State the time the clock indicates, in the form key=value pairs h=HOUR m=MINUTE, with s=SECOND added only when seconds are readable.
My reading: h=8 m=39
